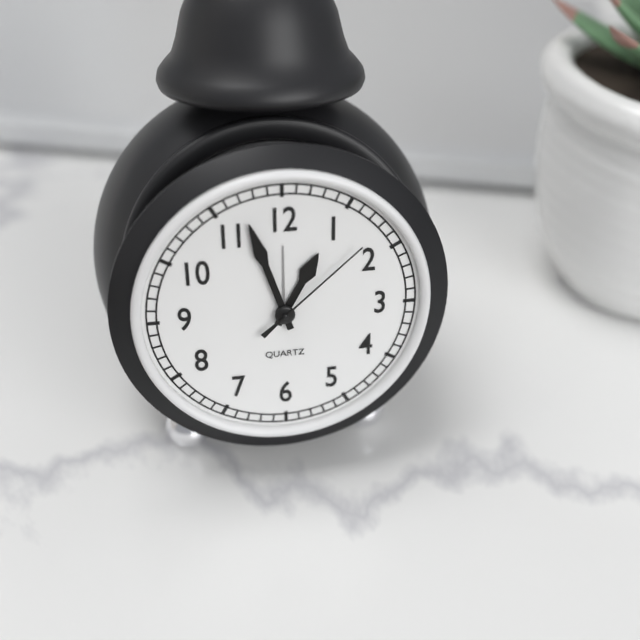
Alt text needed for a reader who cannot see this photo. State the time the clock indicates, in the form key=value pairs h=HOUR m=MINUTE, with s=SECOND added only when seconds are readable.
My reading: h=12 m=57 s=8
